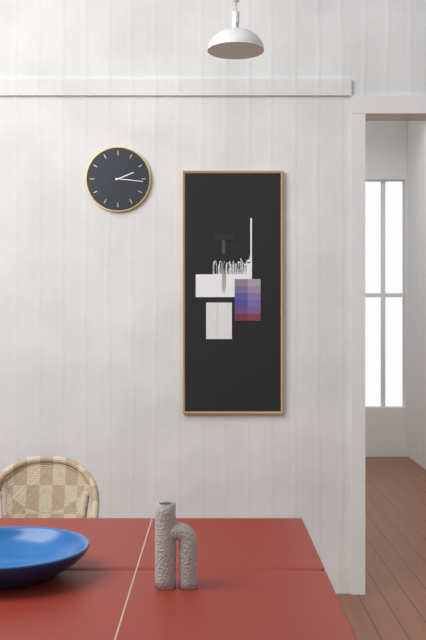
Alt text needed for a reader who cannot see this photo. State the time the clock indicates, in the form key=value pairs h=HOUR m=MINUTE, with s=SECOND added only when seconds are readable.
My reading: h=2 m=16
